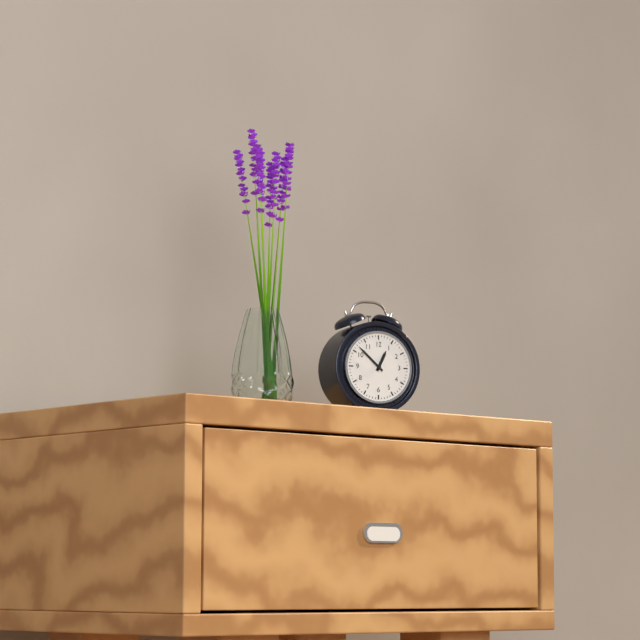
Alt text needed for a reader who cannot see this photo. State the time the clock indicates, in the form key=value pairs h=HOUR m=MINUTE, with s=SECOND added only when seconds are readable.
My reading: h=12 m=52
